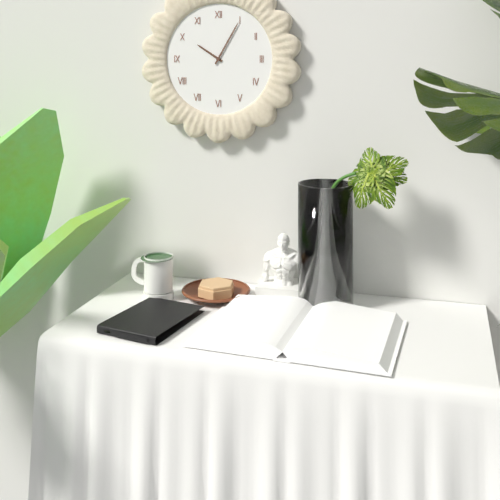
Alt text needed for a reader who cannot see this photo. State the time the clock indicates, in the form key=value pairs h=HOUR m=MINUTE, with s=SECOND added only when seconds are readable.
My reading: h=10 m=5
